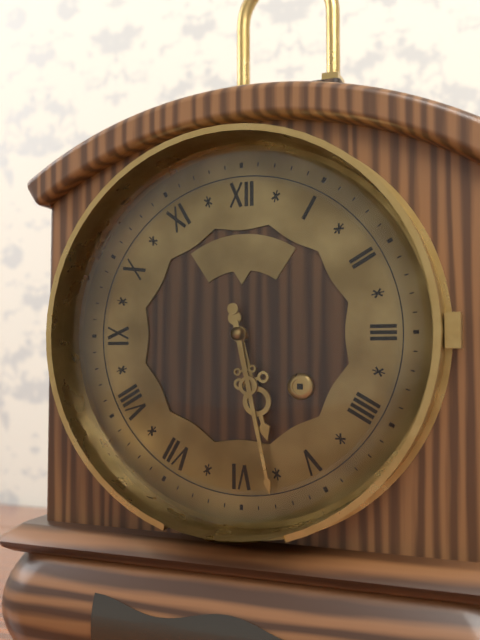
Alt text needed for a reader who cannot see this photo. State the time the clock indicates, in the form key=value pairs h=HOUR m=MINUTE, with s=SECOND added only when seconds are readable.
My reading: h=5 m=28
